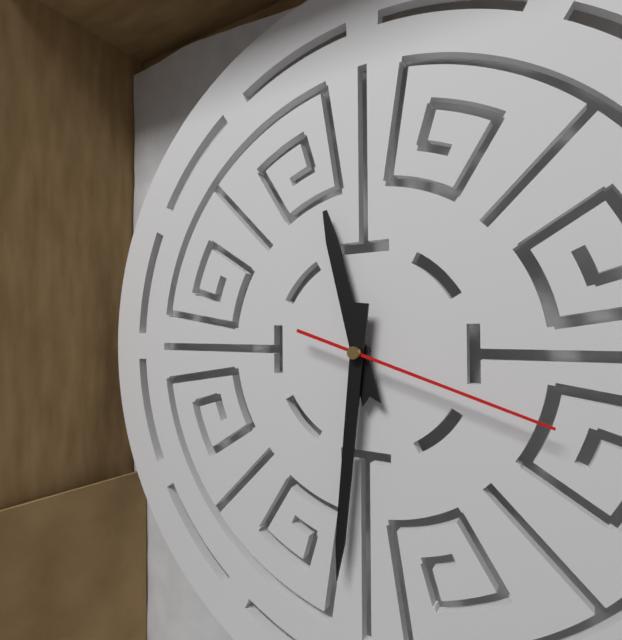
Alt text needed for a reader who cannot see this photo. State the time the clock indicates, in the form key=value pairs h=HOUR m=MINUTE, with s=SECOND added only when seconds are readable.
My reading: h=11 m=31 s=18
